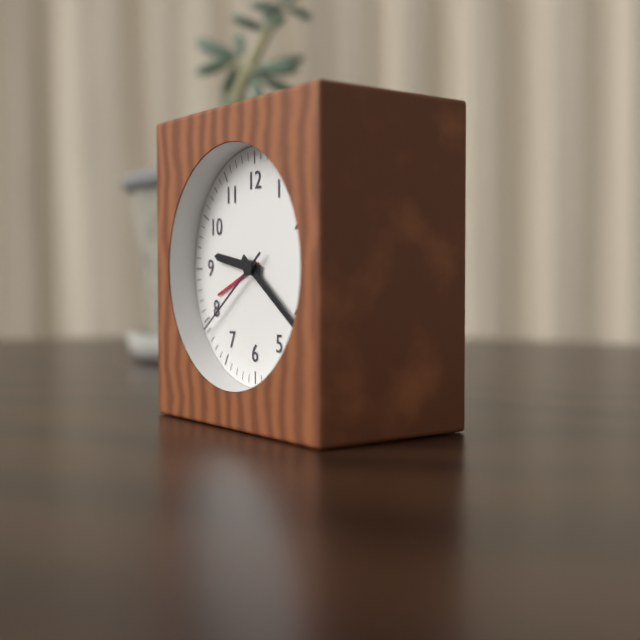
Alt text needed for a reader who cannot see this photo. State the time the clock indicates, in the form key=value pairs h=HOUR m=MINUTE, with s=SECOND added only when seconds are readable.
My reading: h=9 m=21 s=39
